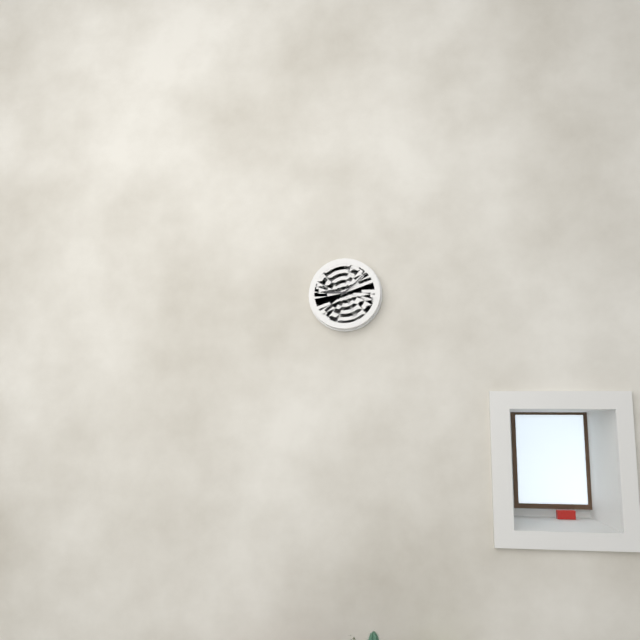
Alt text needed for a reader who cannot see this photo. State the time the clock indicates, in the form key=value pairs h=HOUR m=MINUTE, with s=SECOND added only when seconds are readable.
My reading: h=9 m=8
